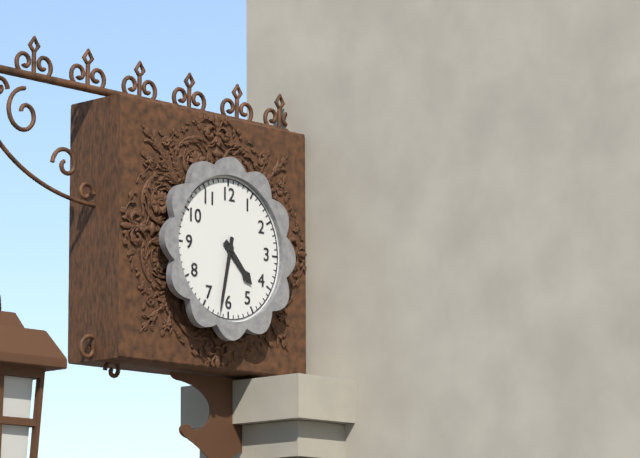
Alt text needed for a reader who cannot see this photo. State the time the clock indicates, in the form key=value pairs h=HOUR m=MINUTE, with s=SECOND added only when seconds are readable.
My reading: h=4 m=32
